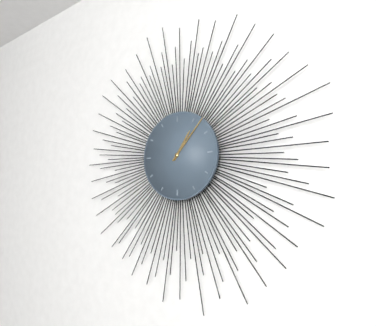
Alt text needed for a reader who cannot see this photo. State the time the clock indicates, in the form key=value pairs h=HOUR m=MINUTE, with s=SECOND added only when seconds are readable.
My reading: h=1 m=7
